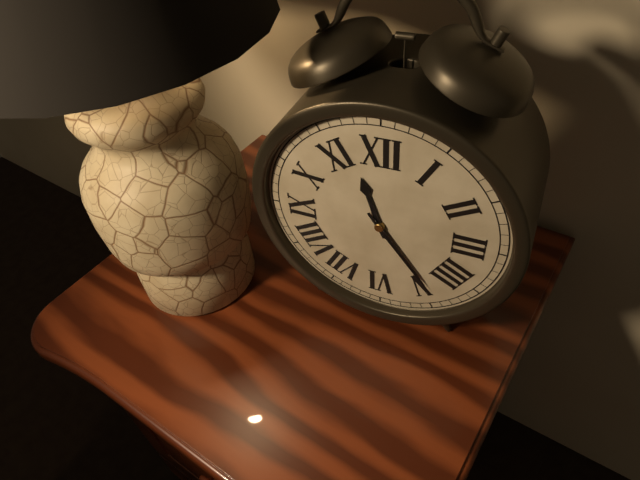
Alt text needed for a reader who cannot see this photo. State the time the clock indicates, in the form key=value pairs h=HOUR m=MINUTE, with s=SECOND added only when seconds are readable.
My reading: h=11 m=24
